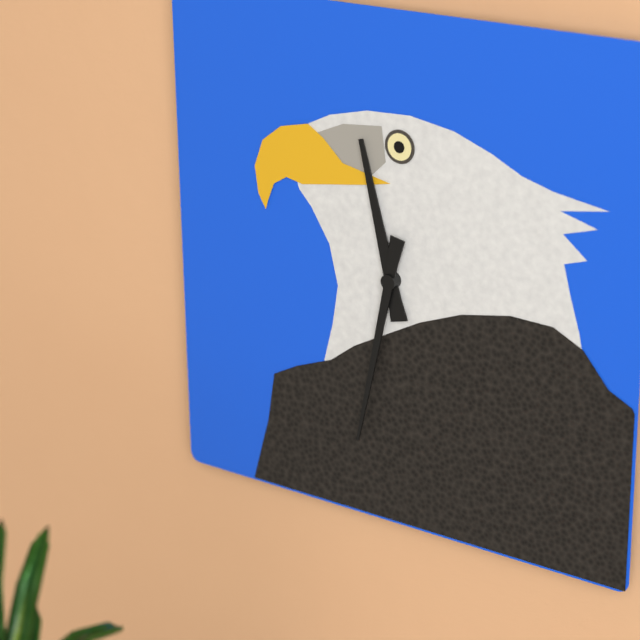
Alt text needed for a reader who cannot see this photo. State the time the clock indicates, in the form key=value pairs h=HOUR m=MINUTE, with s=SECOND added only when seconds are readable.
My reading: h=11 m=32
